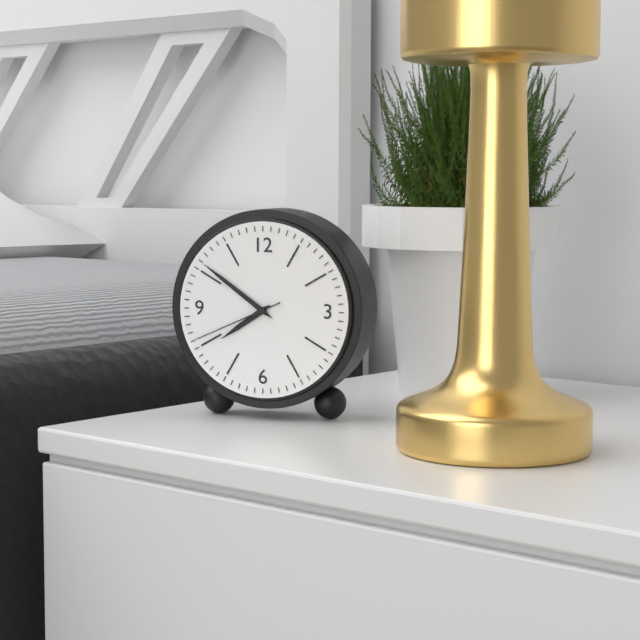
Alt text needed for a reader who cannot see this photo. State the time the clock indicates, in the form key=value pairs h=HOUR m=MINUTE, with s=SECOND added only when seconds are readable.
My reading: h=7 m=51 s=41
